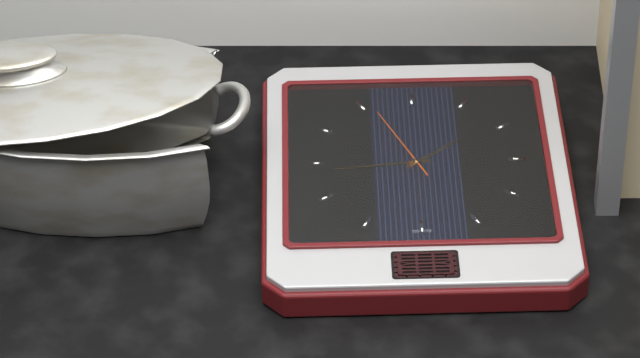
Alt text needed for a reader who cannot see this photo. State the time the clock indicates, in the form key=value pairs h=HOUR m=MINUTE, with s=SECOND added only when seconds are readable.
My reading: h=1 m=44 s=56
